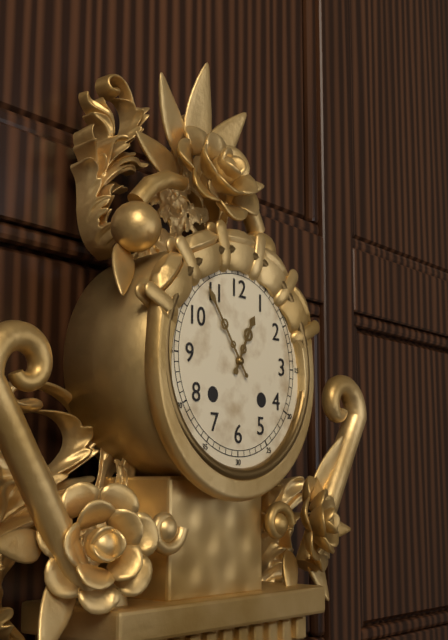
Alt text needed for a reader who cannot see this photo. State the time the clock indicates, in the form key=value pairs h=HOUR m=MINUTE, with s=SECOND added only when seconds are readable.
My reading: h=12 m=54
